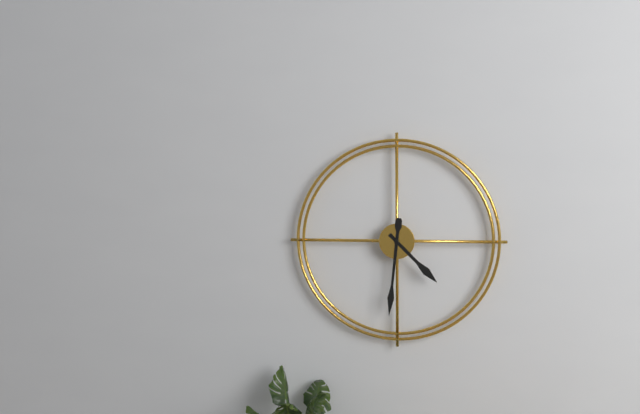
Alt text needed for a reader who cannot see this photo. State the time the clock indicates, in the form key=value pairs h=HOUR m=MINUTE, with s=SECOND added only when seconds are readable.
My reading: h=4 m=31
